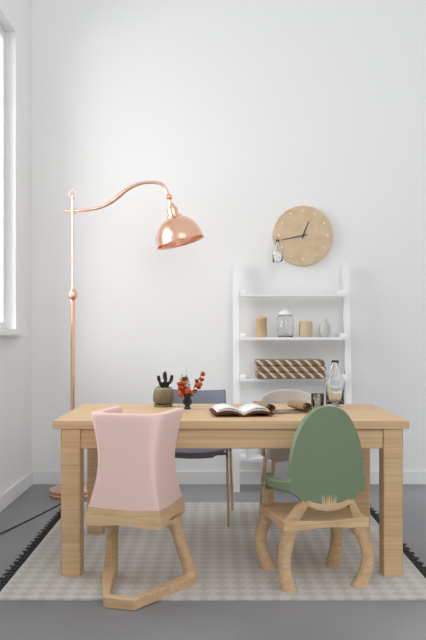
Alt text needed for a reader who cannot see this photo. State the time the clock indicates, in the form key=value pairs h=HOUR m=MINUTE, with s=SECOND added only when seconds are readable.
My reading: h=12 m=43
